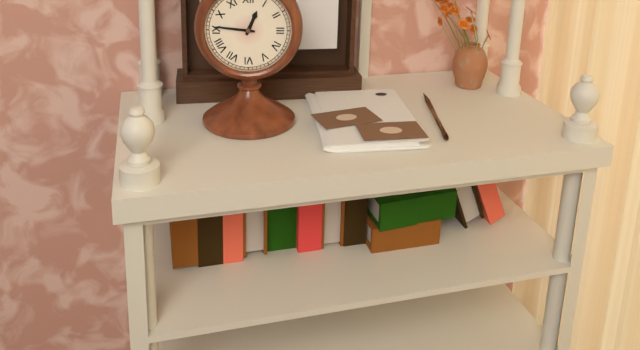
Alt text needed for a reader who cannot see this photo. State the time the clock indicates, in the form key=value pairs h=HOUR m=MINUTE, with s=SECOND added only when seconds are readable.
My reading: h=12 m=46
